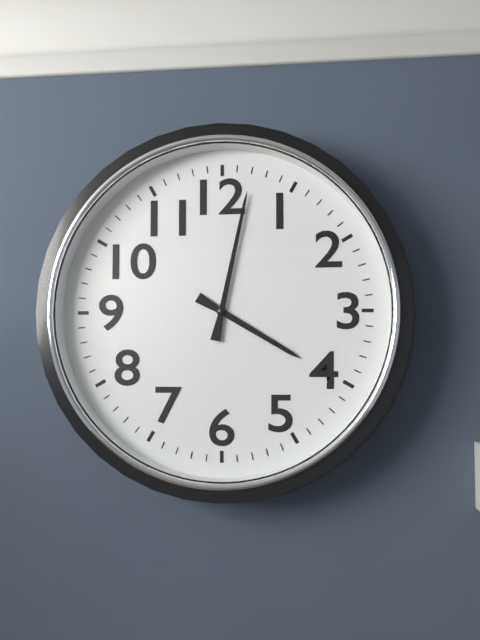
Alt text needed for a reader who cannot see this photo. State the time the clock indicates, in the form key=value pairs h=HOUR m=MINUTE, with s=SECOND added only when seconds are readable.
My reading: h=4 m=2
